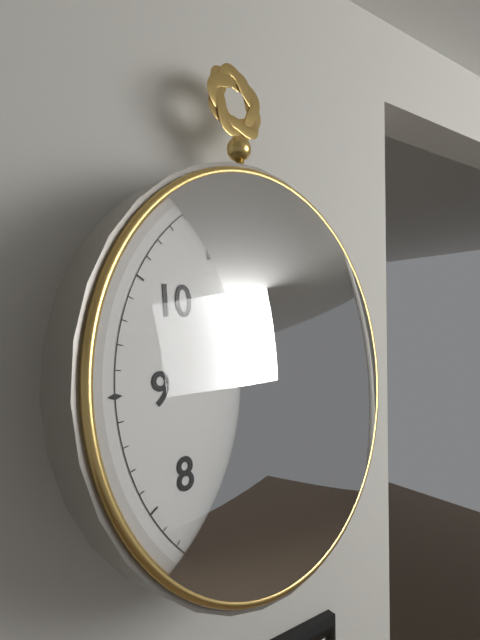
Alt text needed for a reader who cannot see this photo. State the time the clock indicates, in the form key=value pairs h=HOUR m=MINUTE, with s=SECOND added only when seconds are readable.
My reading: h=4 m=10
